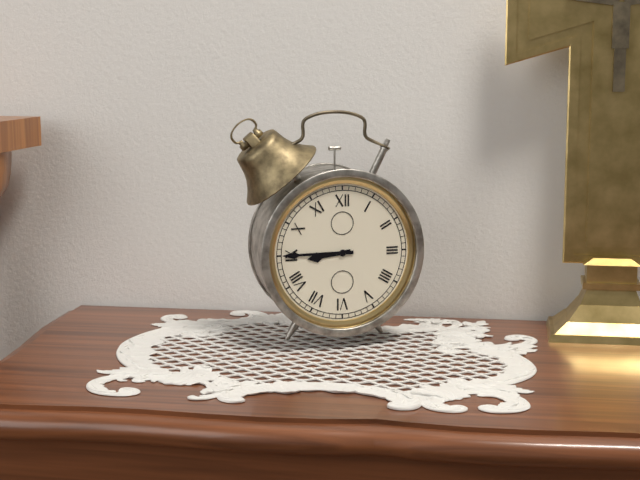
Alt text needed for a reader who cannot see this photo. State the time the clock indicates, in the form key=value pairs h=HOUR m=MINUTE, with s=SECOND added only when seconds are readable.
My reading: h=8 m=45
